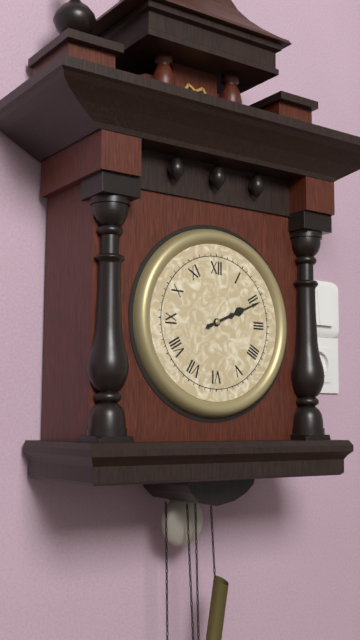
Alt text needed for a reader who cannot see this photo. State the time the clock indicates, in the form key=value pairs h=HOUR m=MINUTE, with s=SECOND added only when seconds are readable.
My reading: h=2 m=11
